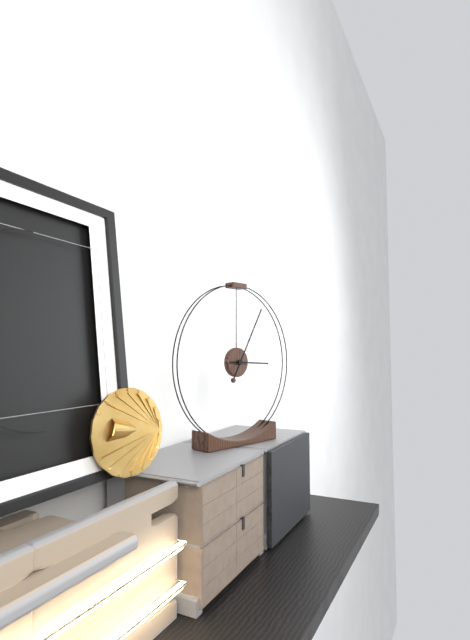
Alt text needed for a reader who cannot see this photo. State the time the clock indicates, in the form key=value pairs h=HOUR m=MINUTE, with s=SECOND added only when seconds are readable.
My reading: h=3 m=5
